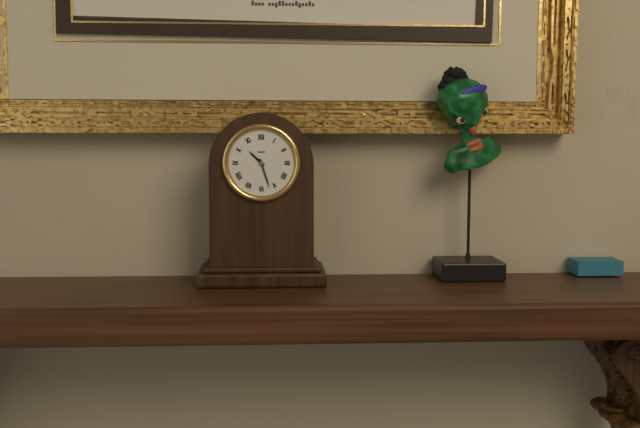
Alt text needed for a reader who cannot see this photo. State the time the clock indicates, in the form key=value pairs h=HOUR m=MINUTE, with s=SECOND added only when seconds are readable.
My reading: h=10 m=27
